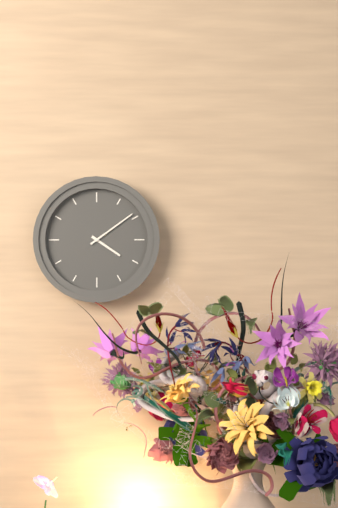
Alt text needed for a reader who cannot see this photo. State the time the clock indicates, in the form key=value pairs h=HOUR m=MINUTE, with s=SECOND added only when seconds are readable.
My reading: h=4 m=9
